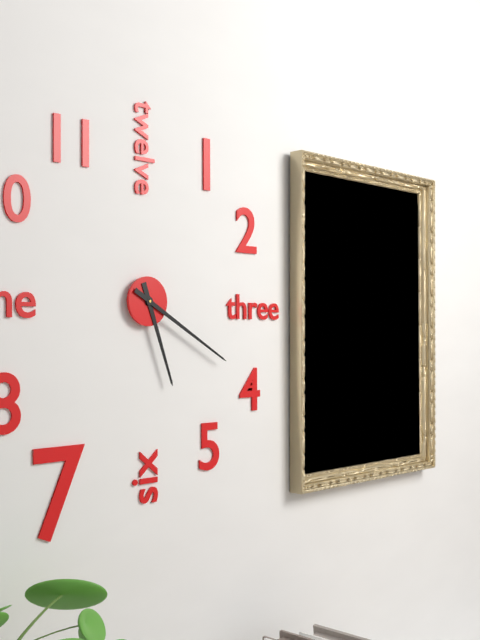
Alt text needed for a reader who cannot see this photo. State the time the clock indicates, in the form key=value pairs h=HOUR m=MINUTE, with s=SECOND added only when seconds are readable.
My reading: h=5 m=20
